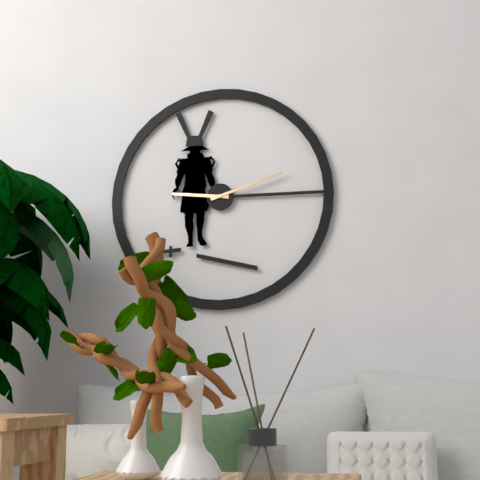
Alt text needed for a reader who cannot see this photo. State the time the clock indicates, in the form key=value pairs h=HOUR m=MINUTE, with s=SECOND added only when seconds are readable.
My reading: h=9 m=12
